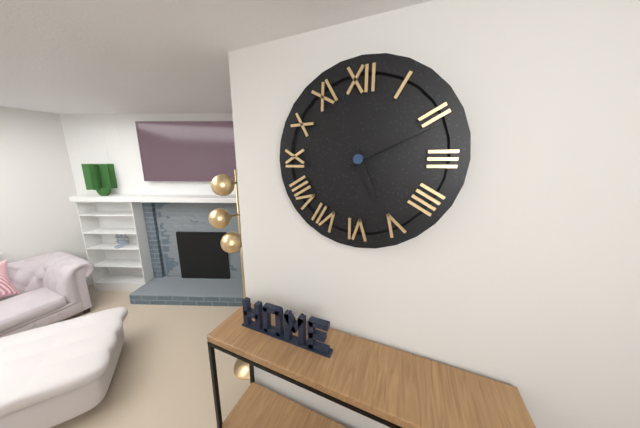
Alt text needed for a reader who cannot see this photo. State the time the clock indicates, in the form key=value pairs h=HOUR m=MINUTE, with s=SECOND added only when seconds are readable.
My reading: h=5 m=11
